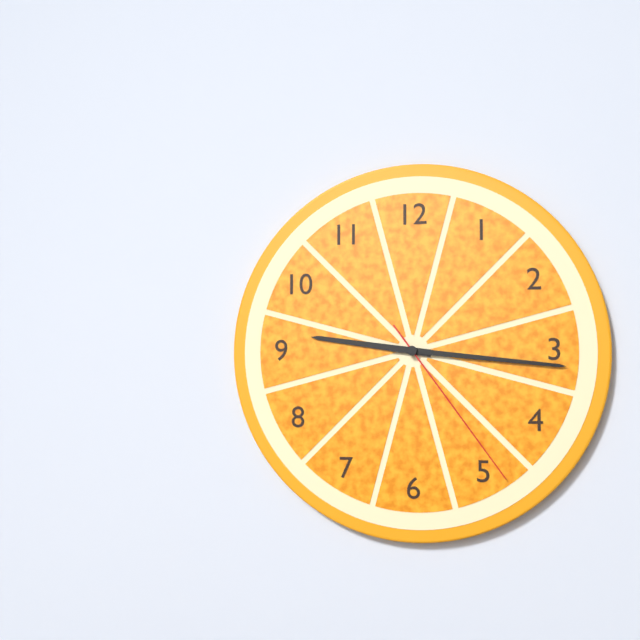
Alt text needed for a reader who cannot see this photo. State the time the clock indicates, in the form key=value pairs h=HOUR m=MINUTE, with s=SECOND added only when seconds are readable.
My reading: h=9 m=16 s=24
